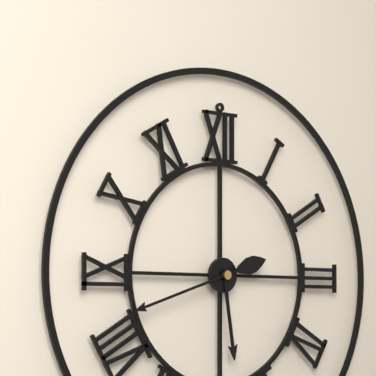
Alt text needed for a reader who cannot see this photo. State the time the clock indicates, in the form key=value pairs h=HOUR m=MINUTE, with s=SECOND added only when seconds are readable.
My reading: h=5 m=42
